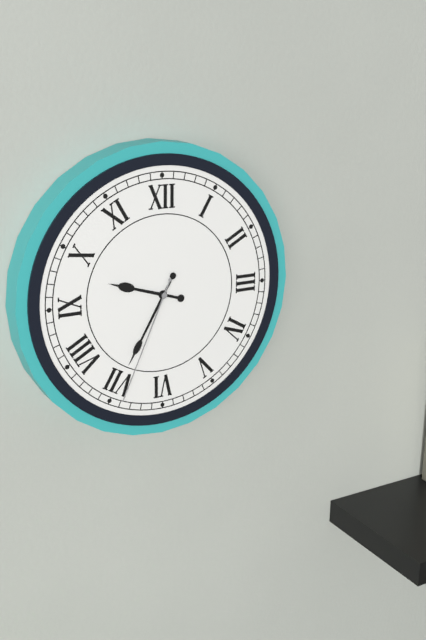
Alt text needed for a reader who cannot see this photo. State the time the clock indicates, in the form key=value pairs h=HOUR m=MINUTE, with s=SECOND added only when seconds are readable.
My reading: h=9 m=35 s=34
